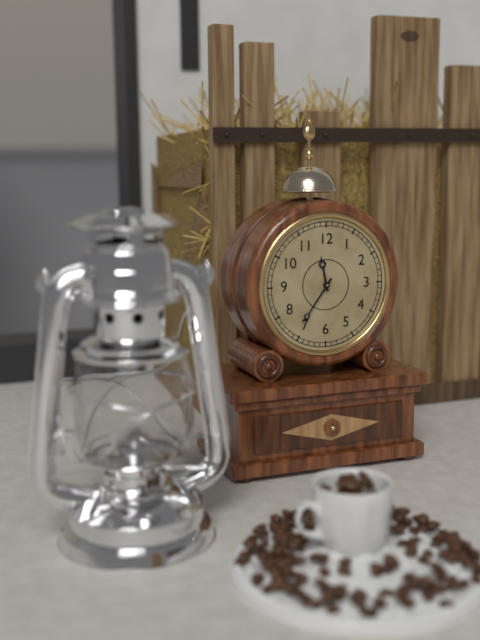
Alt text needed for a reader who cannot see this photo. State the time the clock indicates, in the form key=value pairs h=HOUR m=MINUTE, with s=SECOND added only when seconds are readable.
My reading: h=11 m=36
